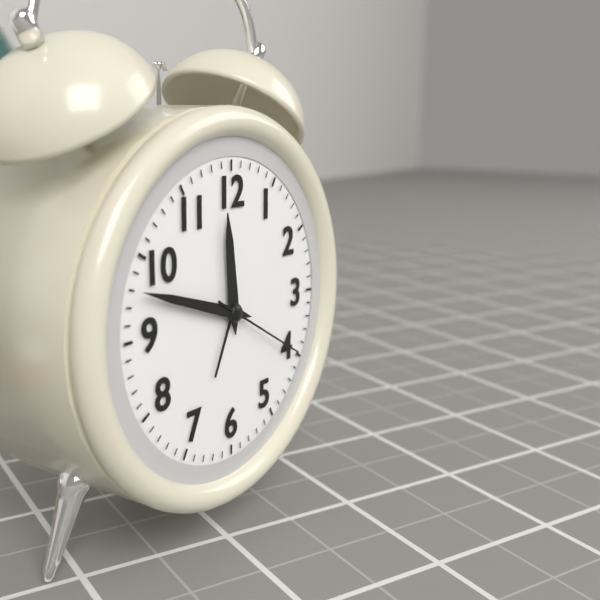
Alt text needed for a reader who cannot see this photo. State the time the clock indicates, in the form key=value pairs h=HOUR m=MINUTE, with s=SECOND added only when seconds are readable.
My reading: h=11 m=48 s=20
